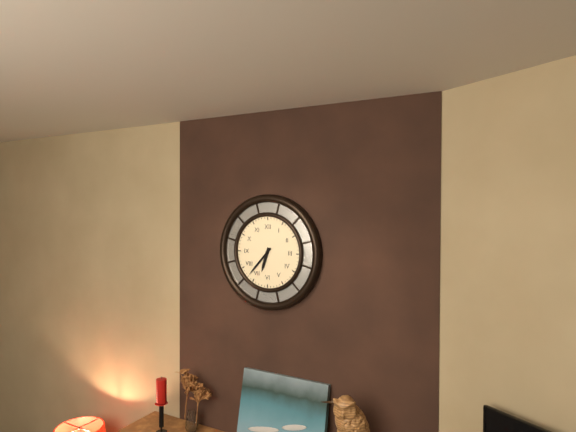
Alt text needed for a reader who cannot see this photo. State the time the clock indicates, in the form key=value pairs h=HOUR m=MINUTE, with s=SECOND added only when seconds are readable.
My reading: h=6 m=37
